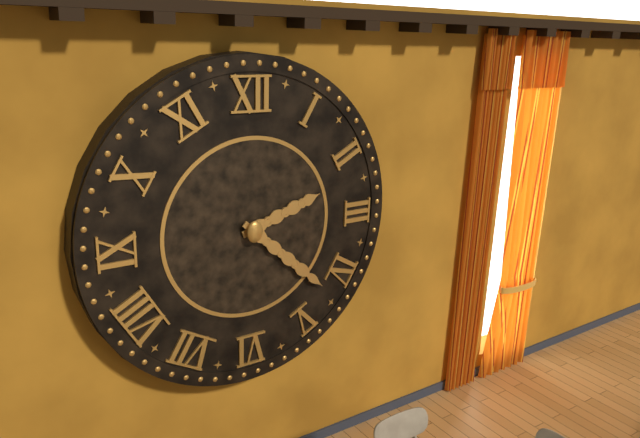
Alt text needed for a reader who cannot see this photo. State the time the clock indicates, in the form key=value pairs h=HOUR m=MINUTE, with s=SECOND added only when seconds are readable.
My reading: h=2 m=22
